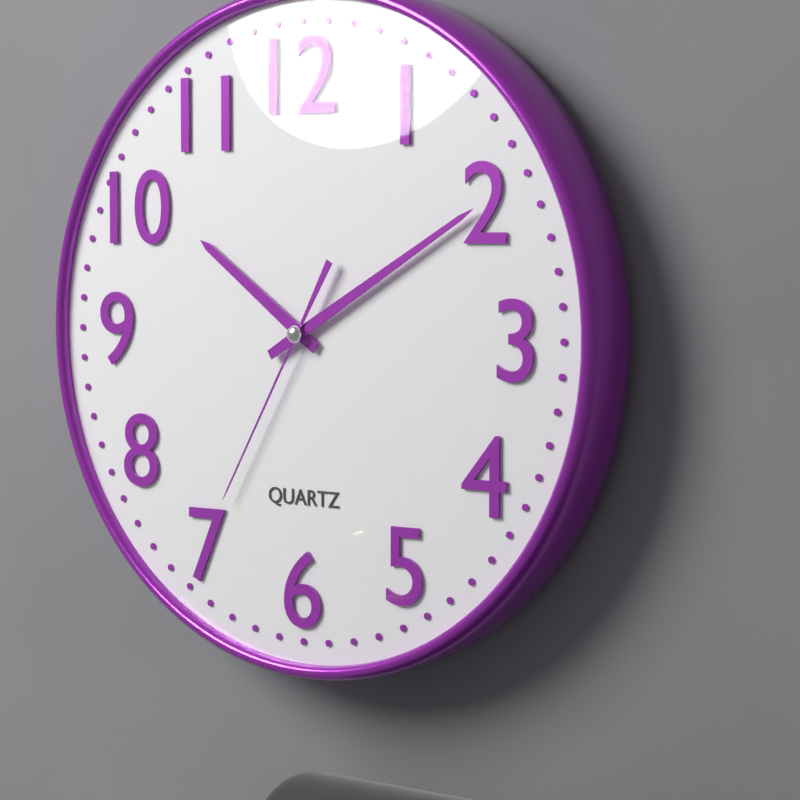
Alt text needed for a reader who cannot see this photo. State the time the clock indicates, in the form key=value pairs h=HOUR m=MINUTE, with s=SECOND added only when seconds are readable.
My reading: h=10 m=10 s=35
